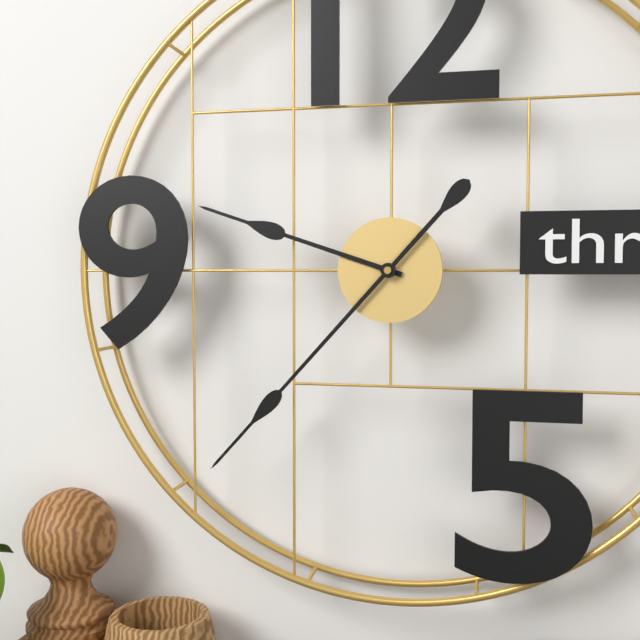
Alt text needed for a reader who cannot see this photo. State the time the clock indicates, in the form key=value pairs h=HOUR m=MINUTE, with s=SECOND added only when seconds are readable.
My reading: h=9 m=37
